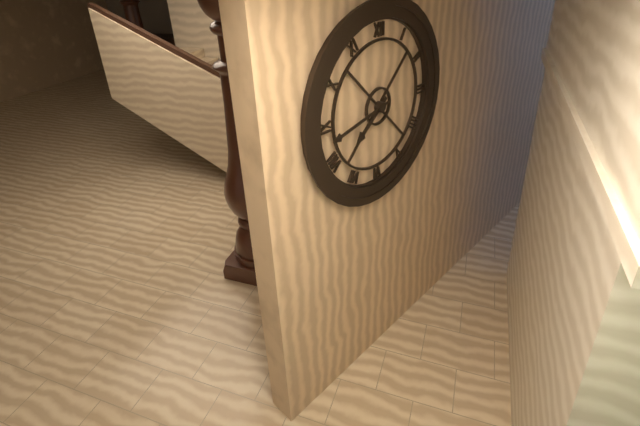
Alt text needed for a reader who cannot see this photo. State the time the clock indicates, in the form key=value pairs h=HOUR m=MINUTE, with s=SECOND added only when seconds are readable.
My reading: h=7 m=43
